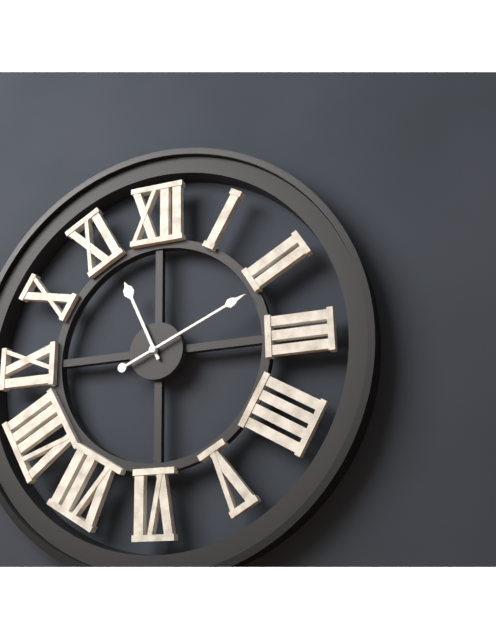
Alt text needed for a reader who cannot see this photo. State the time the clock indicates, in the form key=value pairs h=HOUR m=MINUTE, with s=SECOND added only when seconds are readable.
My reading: h=11 m=11
